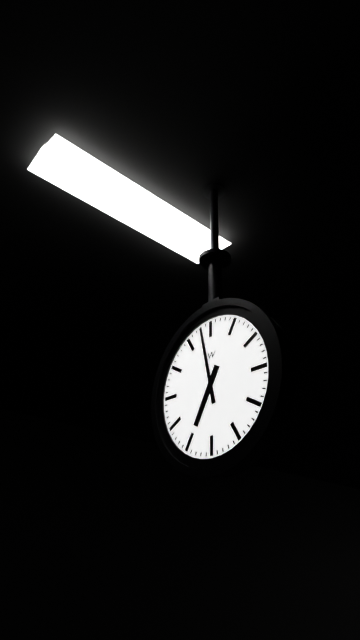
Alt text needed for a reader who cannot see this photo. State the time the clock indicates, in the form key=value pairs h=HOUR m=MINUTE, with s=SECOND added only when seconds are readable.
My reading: h=6 m=58
